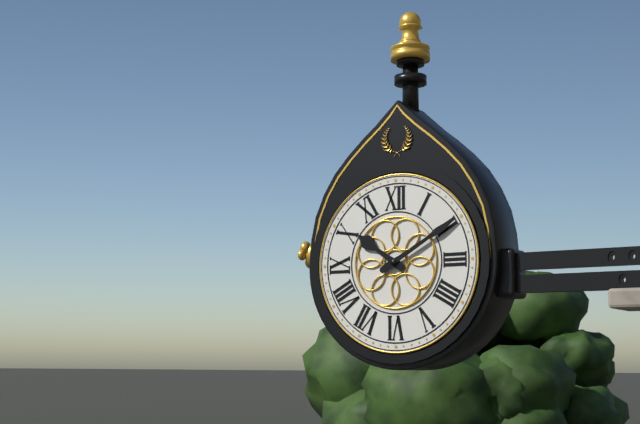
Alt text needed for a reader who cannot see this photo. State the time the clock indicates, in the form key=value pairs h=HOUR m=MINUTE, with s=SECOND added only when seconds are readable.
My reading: h=10 m=10
